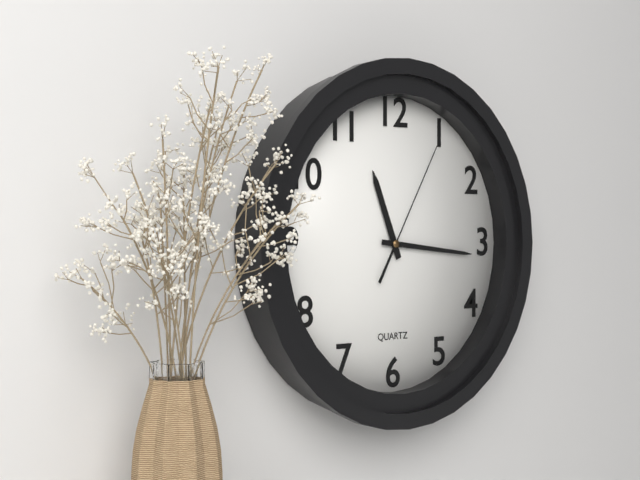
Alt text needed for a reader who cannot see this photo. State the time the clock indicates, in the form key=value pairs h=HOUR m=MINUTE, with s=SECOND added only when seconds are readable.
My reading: h=11 m=16 s=5
